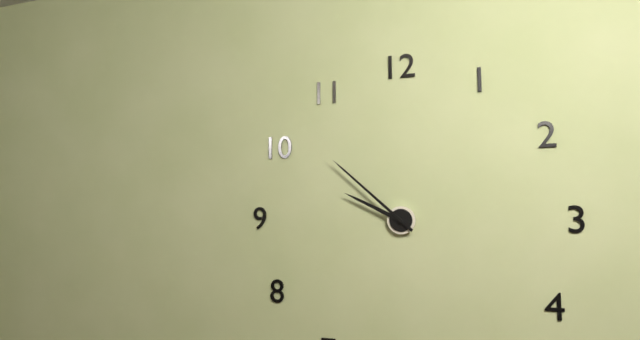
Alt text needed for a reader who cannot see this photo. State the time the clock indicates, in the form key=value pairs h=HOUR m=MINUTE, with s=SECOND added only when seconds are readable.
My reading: h=9 m=52
